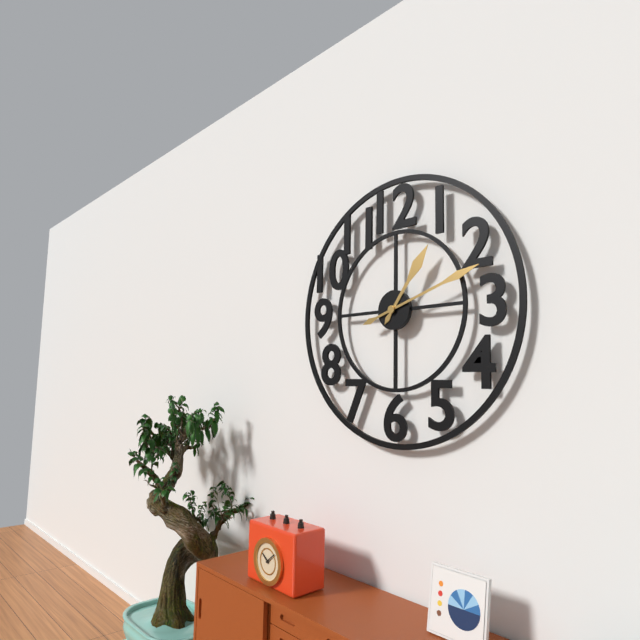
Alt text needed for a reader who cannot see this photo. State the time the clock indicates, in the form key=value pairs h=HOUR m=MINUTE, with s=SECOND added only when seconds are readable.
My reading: h=1 m=12
